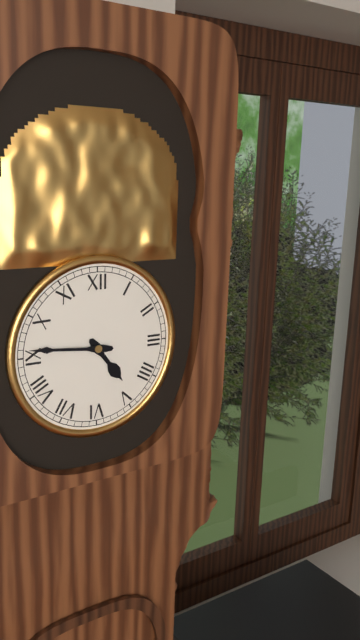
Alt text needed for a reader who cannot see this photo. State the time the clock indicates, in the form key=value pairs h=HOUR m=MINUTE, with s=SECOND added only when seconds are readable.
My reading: h=4 m=46
